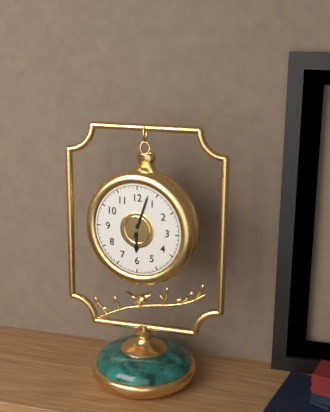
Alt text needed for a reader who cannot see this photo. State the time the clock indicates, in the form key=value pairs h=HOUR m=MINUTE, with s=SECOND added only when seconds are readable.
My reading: h=6 m=3
